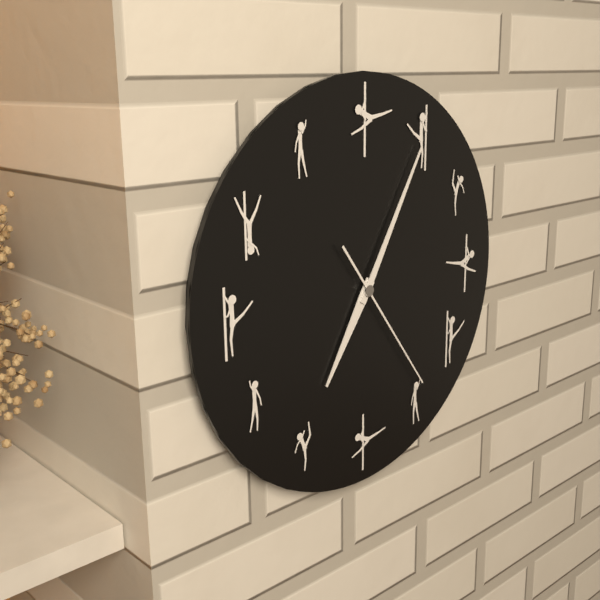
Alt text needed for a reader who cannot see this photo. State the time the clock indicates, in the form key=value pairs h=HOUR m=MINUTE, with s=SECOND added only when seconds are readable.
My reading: h=7 m=5 s=24
